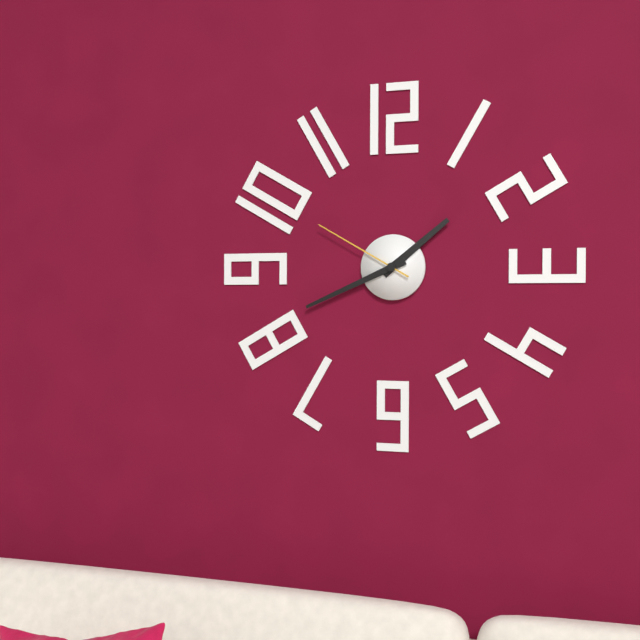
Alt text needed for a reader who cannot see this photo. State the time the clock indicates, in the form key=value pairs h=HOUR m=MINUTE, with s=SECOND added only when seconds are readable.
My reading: h=1 m=41 s=50
